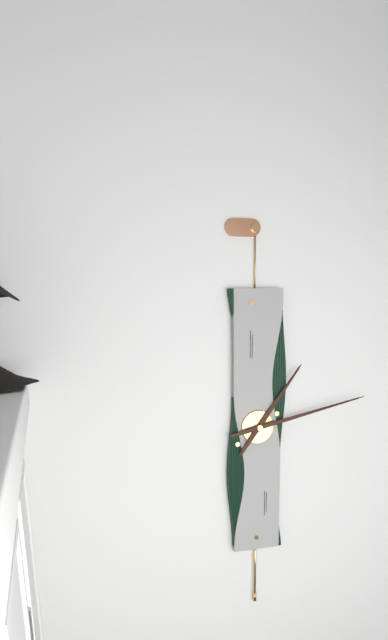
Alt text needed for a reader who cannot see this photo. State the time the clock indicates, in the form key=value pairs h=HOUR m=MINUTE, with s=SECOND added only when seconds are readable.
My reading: h=1 m=13
